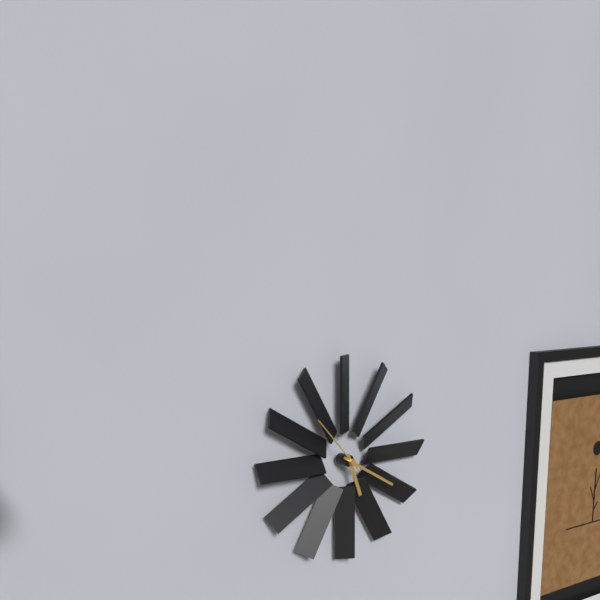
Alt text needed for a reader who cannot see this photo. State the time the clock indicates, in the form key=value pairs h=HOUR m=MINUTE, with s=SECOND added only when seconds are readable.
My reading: h=5 m=20 s=53
